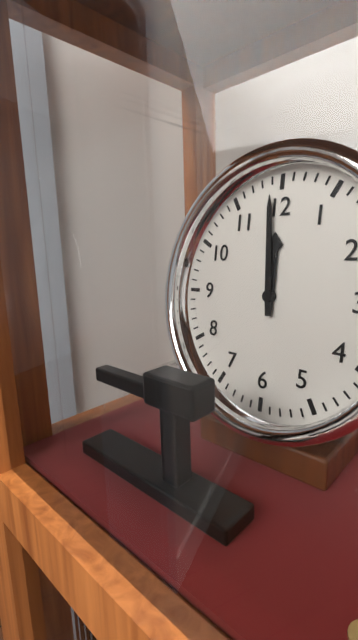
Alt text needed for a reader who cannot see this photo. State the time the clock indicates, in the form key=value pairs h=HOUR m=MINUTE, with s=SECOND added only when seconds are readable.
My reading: h=11 m=59
